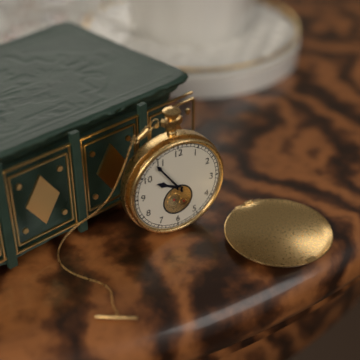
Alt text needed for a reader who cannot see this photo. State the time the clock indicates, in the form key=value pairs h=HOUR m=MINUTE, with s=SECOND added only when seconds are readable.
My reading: h=9 m=54
